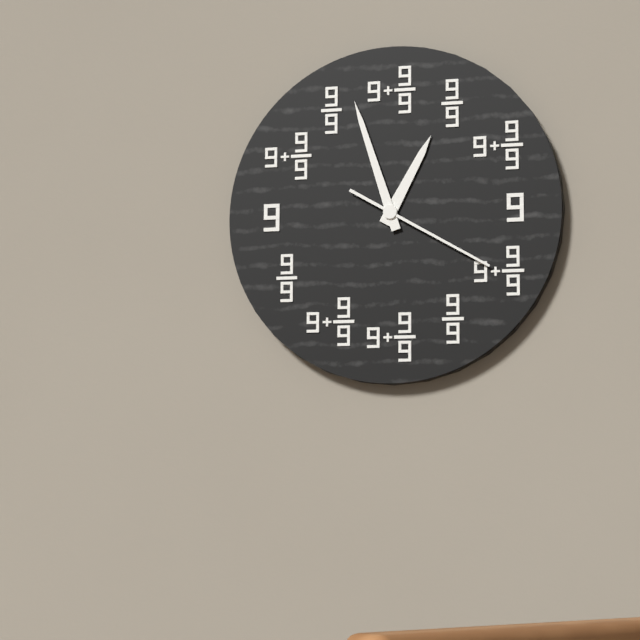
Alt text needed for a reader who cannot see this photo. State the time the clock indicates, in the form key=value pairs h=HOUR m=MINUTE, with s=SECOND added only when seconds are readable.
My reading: h=12 m=57 s=20
